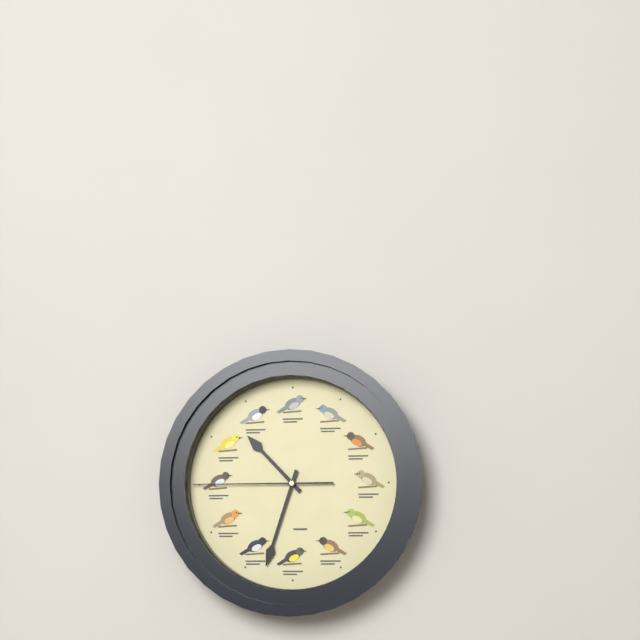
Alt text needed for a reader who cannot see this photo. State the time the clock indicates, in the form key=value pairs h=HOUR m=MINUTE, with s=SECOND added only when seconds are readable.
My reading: h=10 m=33 s=45
